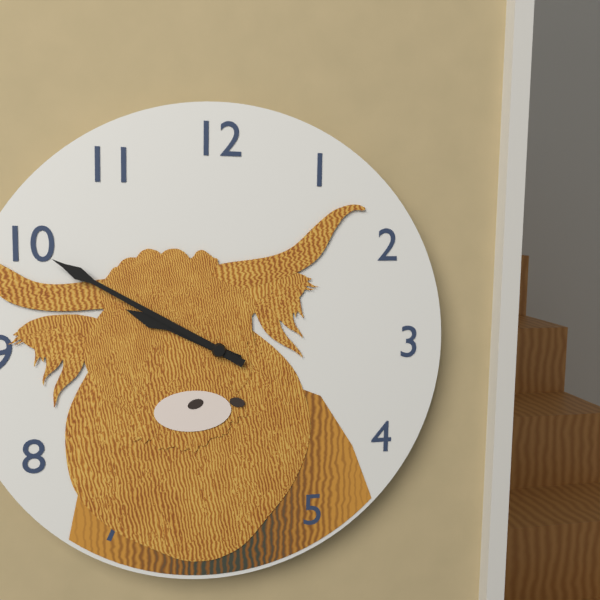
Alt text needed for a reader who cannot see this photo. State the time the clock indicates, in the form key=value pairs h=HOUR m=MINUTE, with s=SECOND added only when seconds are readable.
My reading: h=9 m=50
